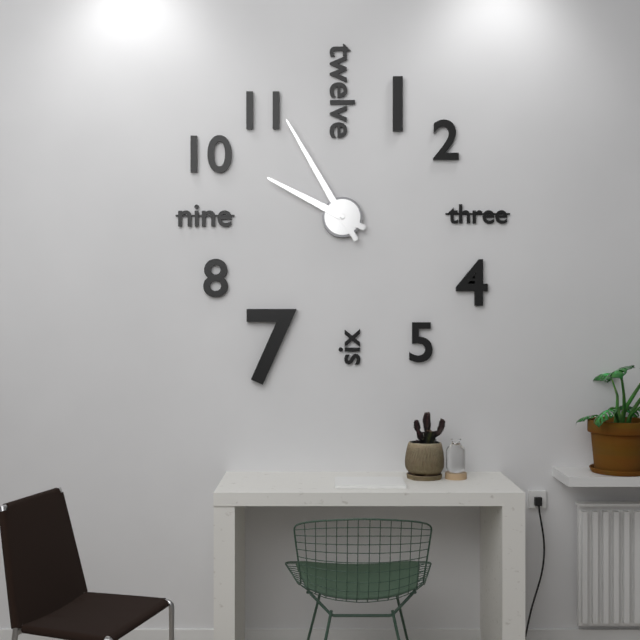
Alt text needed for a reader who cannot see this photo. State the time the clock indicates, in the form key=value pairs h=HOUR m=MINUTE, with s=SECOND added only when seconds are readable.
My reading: h=9 m=55
